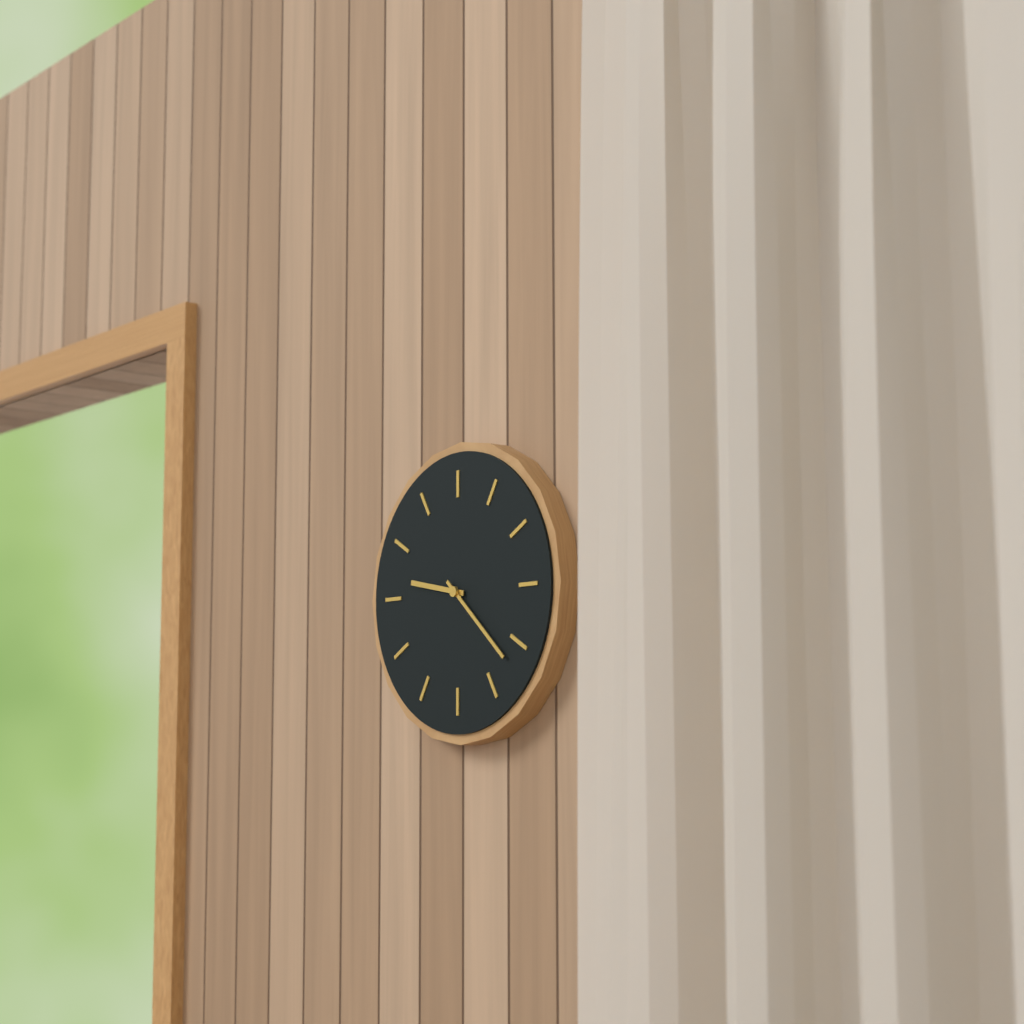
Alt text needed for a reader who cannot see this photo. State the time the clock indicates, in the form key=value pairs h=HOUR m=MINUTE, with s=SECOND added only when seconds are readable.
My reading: h=9 m=22
